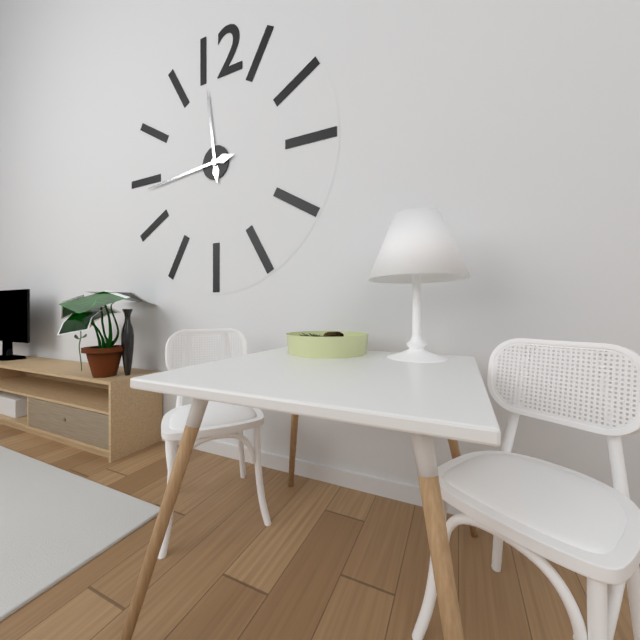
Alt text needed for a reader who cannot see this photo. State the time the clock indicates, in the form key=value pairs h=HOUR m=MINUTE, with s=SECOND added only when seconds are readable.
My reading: h=11 m=44
